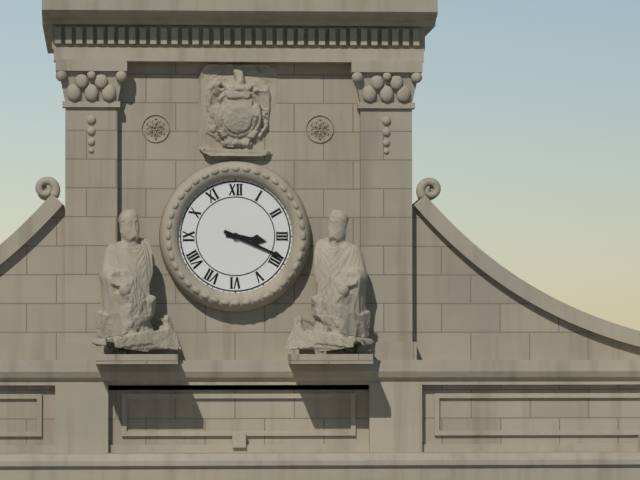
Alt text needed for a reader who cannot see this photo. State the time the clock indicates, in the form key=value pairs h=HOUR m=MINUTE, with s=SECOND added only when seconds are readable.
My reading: h=3 m=19
